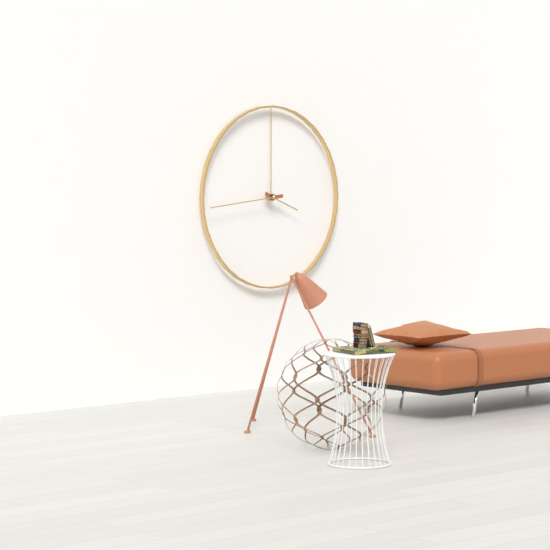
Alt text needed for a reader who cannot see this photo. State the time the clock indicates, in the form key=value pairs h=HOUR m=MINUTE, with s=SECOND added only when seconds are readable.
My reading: h=3 m=44
